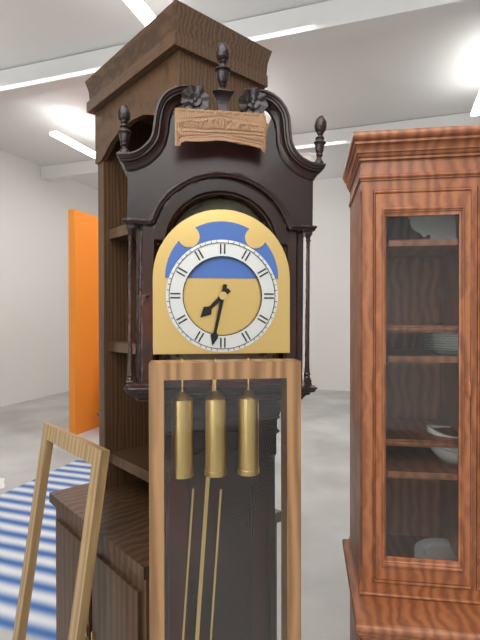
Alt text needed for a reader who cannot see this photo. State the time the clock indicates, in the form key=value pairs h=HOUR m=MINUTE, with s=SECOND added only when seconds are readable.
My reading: h=7 m=32
